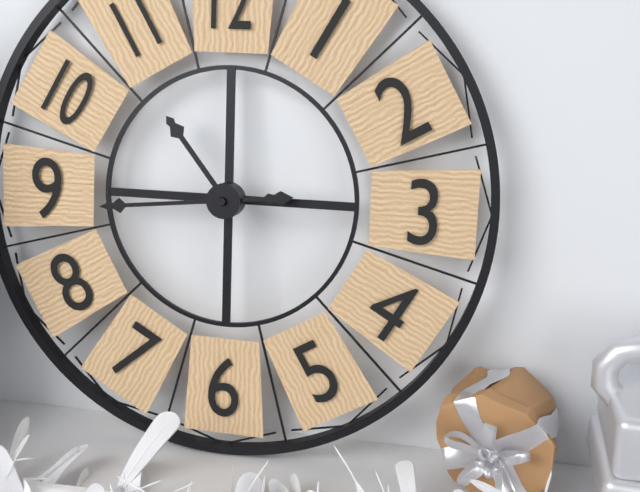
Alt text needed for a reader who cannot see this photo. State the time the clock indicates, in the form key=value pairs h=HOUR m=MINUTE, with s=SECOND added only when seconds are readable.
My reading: h=10 m=44
